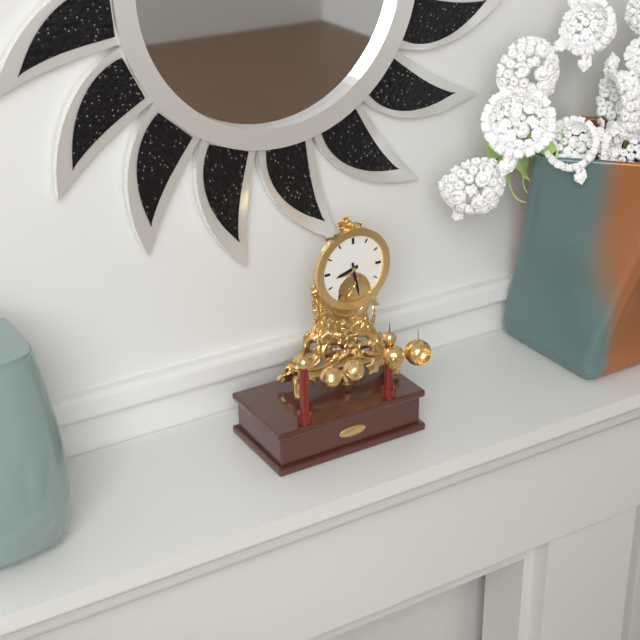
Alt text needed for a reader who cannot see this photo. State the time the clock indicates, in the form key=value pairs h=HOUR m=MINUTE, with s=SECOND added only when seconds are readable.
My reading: h=8 m=28
